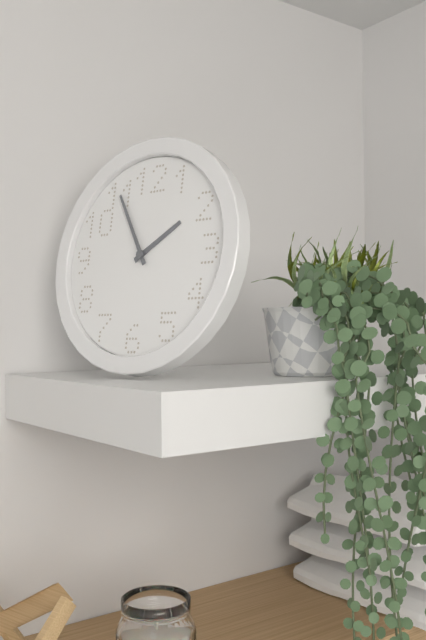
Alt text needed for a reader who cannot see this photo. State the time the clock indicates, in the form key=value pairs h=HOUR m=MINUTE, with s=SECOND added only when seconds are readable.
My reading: h=1 m=55
